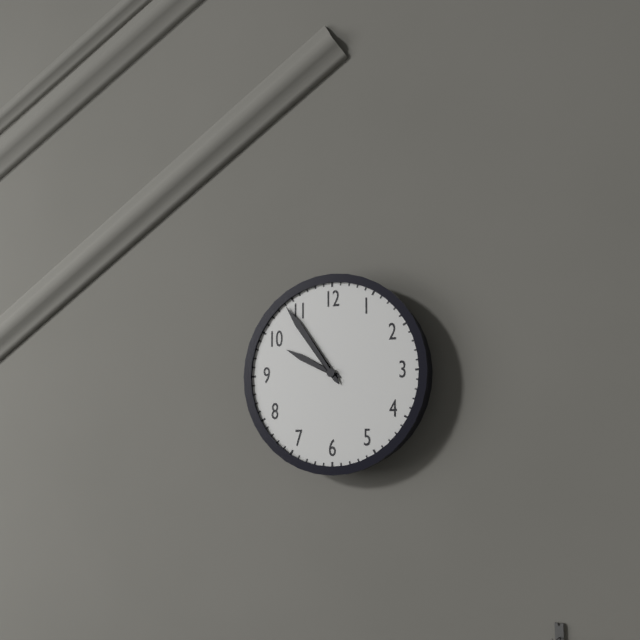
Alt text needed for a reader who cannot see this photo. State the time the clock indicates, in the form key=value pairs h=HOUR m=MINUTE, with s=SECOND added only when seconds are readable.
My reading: h=9 m=54
